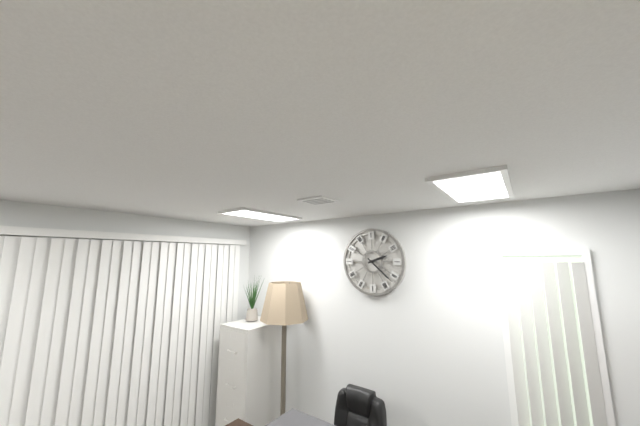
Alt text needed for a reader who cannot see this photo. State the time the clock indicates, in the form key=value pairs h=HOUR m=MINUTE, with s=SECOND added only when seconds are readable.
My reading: h=2 m=22
